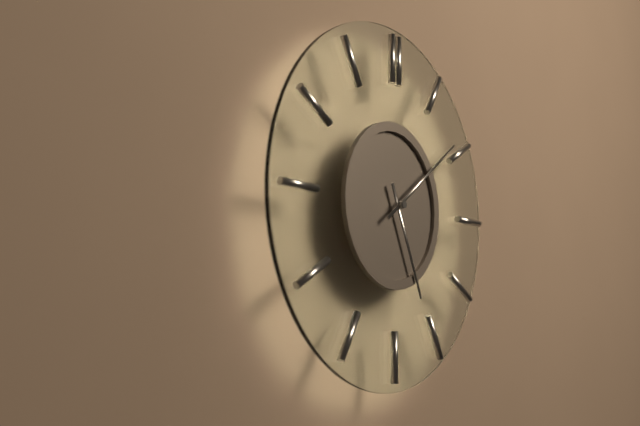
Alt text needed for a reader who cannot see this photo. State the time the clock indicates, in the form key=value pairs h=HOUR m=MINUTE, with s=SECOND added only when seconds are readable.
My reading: h=5 m=9
